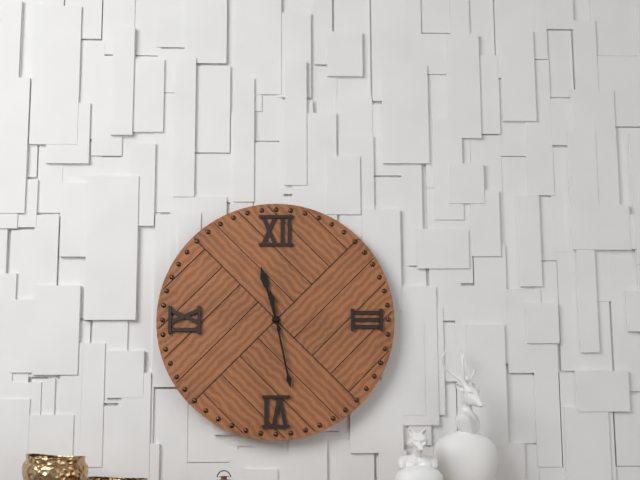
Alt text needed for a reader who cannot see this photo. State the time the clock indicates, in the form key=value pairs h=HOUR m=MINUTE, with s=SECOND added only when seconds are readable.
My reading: h=11 m=28
